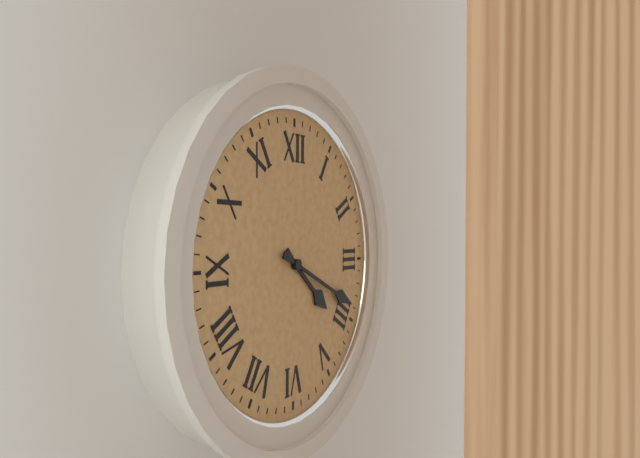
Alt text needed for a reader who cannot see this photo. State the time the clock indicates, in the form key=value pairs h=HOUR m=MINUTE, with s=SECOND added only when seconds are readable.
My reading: h=4 m=19
